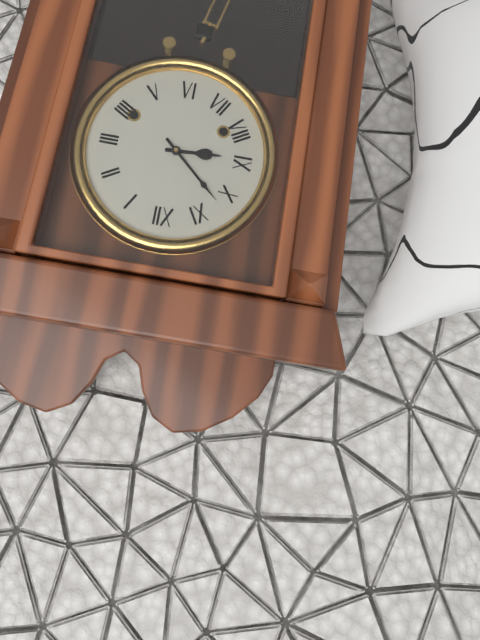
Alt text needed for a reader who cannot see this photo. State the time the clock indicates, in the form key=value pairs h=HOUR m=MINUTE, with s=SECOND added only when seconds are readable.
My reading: h=8 m=52
